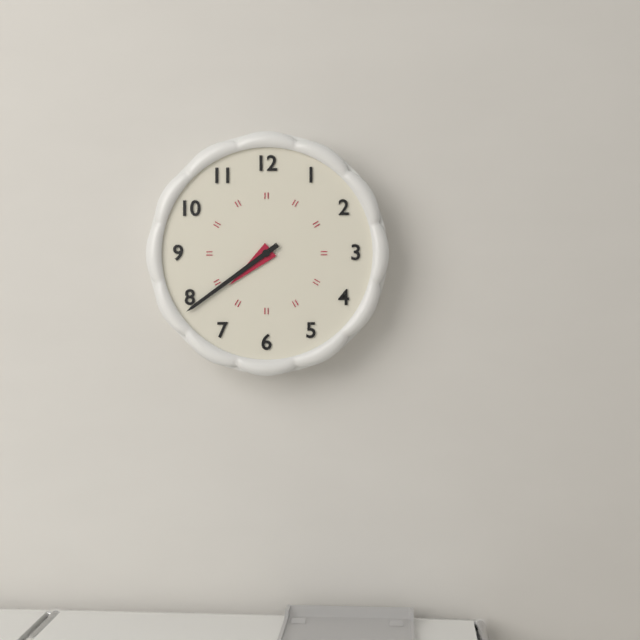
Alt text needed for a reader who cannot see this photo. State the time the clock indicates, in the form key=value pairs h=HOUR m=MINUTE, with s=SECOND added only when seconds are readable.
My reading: h=7 m=39
